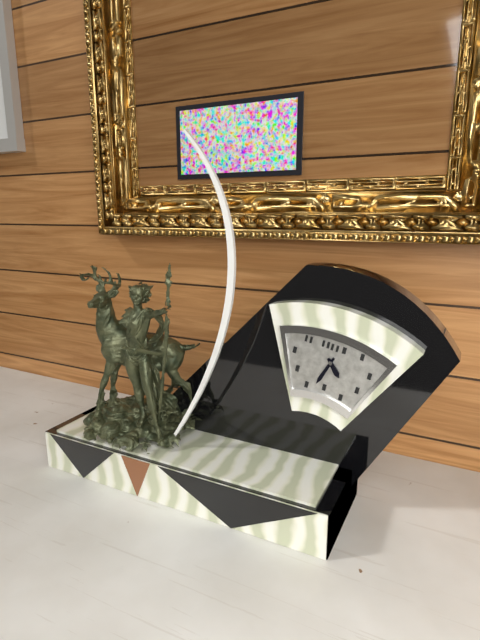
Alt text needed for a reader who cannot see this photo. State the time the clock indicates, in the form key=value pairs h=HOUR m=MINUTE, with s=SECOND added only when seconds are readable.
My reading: h=4 m=33
